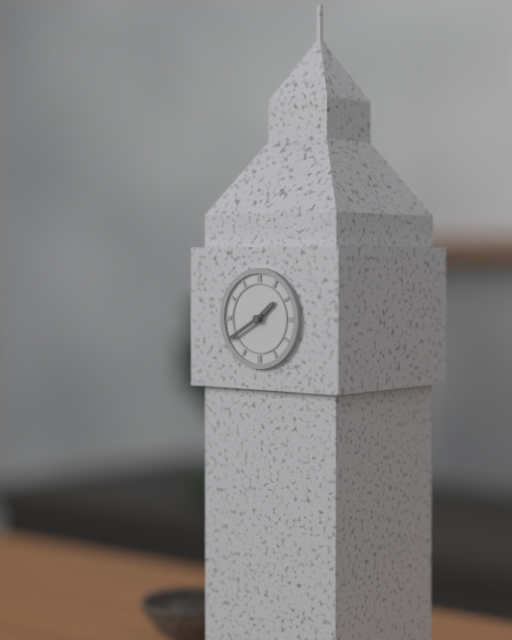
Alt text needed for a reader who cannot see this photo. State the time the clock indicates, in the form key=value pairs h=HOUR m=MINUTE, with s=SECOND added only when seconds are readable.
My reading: h=1 m=40
